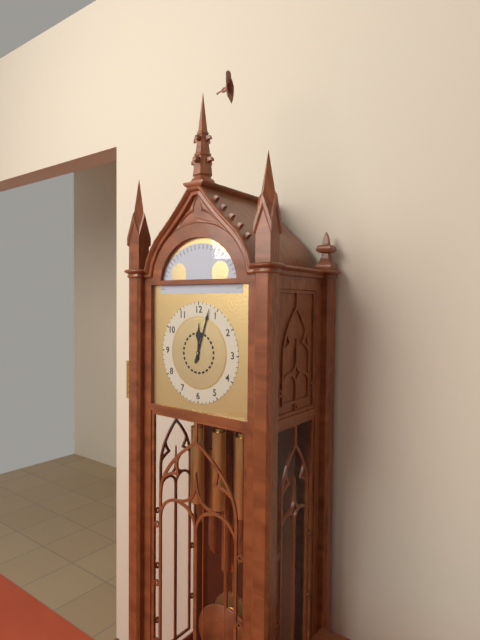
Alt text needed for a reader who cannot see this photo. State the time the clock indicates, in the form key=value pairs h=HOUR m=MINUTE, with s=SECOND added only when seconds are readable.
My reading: h=12 m=3
